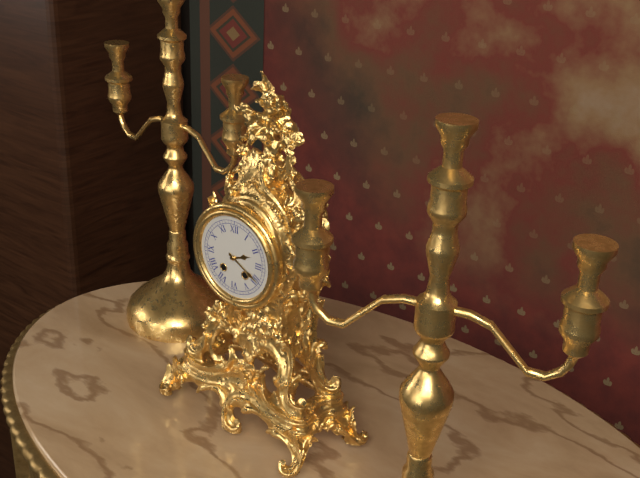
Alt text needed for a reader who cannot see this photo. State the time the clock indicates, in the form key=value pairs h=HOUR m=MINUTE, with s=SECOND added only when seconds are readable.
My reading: h=2 m=20
